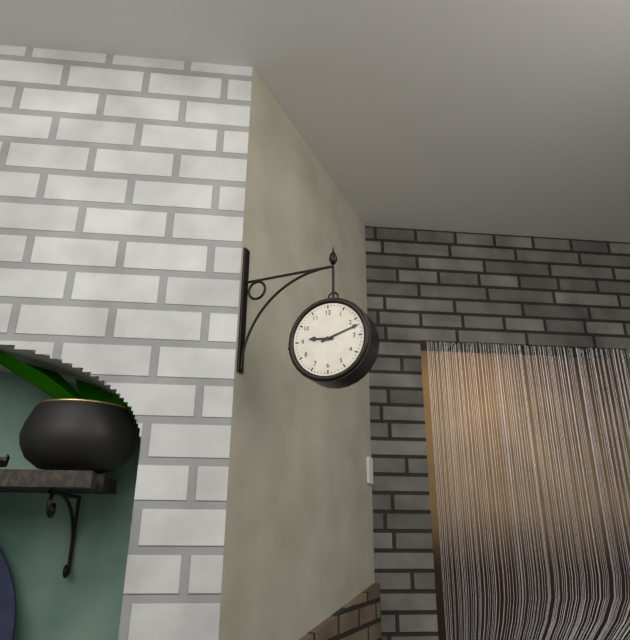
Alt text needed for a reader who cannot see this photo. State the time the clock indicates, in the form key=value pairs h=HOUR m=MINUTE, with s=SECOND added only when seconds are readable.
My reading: h=9 m=12
